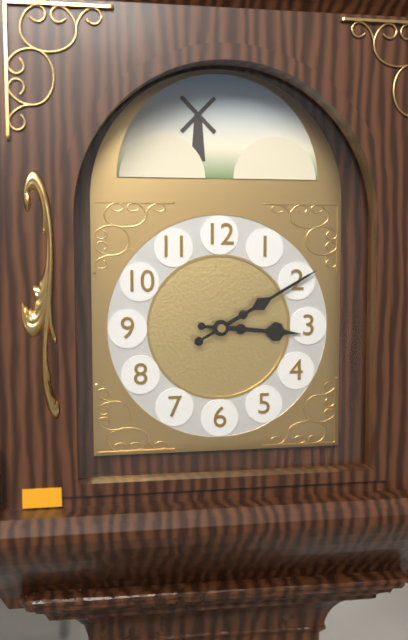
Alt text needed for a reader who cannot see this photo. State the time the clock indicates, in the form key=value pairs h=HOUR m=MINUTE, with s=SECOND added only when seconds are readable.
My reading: h=3 m=10
